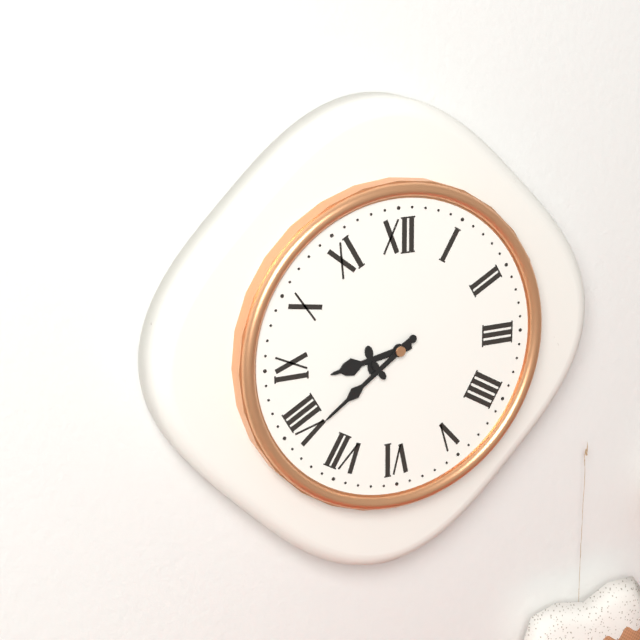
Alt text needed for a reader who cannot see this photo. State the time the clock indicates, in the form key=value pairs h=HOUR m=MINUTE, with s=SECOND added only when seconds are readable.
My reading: h=8 m=39
